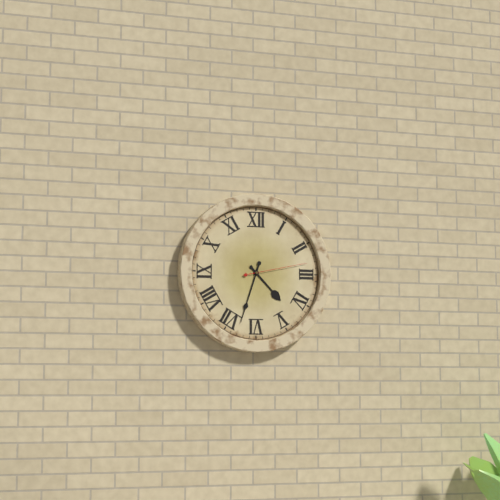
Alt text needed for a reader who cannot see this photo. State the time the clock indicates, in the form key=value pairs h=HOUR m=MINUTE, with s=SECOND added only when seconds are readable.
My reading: h=4 m=33 s=13
